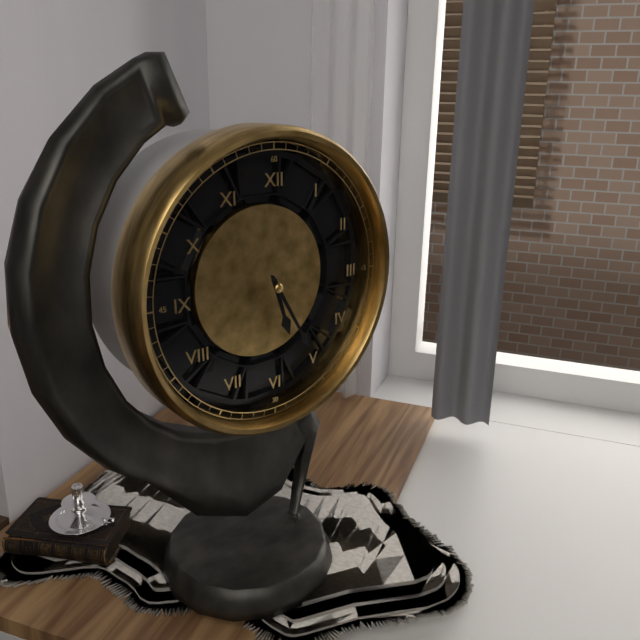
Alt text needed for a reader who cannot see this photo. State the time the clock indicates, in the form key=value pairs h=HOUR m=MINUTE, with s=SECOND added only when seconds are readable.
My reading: h=5 m=25
